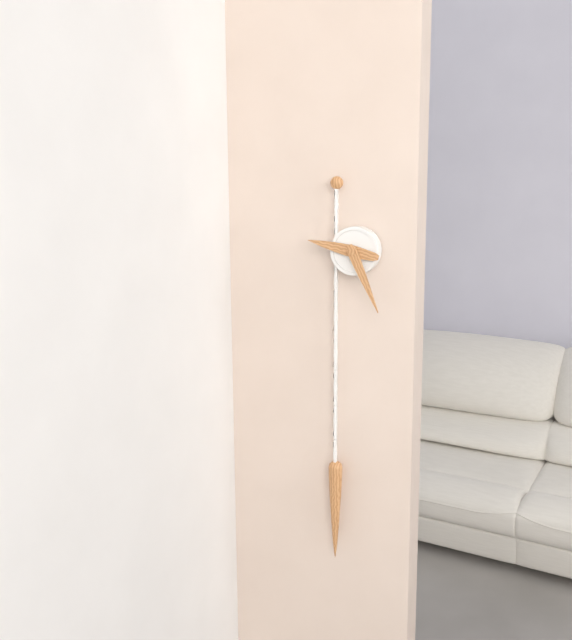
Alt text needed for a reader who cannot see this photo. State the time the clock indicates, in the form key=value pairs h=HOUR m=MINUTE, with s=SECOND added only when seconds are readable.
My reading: h=9 m=26
